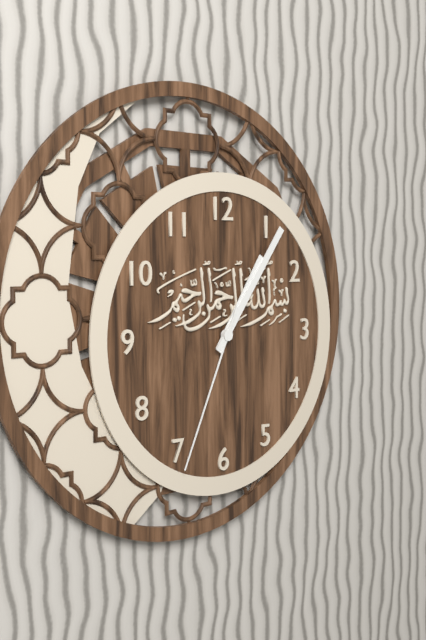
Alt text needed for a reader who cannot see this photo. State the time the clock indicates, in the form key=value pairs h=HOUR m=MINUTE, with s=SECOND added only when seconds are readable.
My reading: h=1 m=6 s=34
